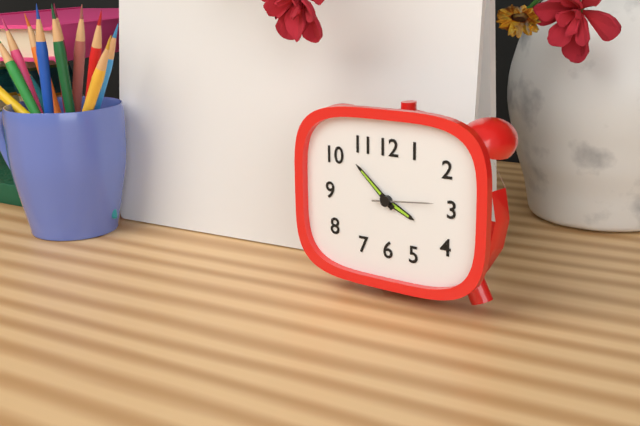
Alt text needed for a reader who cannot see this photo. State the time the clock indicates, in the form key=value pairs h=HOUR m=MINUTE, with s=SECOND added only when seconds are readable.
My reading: h=3 m=52 s=14
